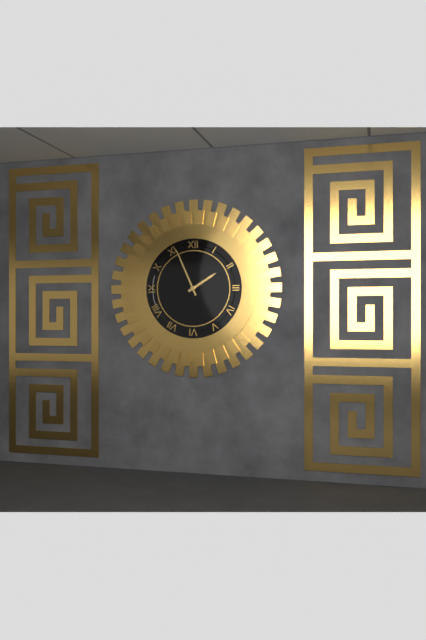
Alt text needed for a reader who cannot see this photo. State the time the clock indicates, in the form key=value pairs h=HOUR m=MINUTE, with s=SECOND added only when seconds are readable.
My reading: h=1 m=56
